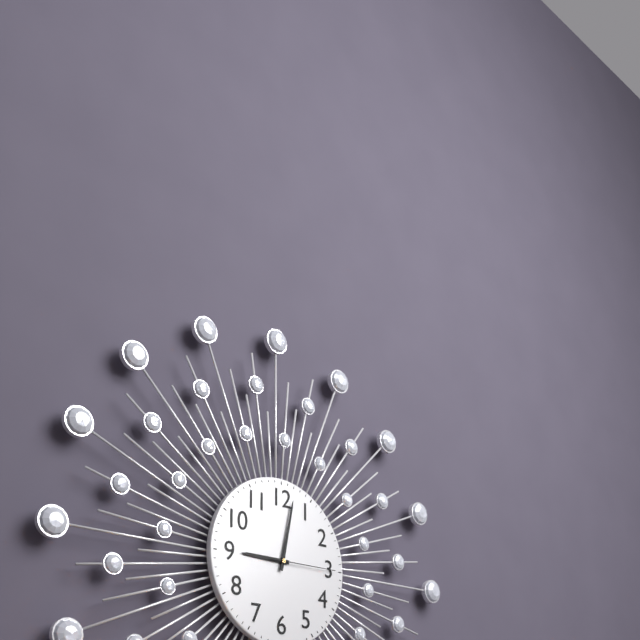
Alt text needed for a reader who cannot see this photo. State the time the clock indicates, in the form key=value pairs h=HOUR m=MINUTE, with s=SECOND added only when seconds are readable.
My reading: h=9 m=2 s=15
